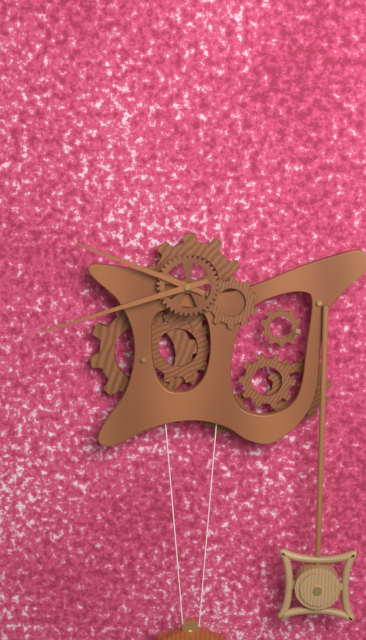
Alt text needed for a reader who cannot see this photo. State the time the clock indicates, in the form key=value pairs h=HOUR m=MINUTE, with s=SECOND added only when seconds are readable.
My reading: h=9 m=42
